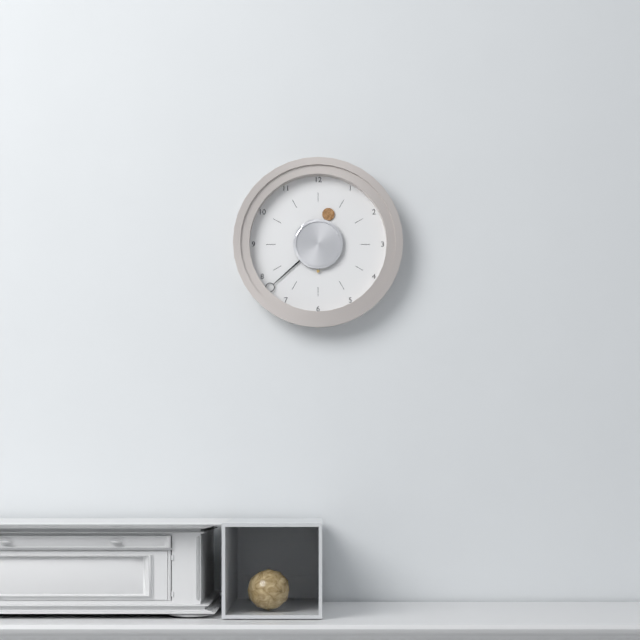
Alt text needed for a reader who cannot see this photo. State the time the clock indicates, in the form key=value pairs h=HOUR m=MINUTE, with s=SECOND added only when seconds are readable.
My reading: h=12 m=38
